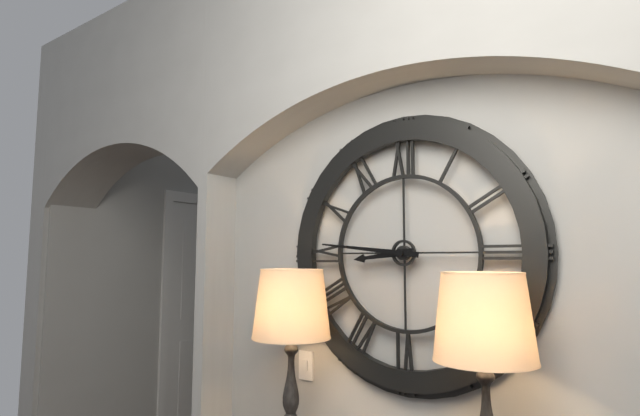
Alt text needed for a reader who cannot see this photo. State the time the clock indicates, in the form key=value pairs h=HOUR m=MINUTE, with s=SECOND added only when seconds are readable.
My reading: h=8 m=46
